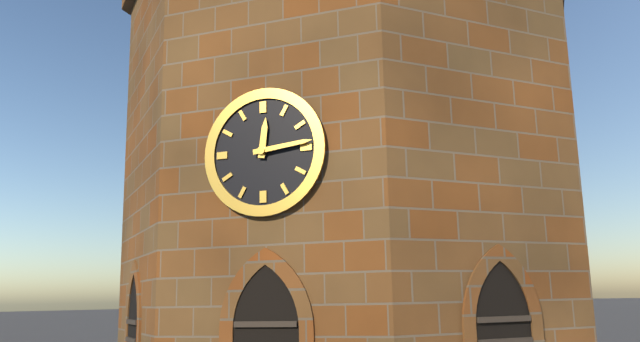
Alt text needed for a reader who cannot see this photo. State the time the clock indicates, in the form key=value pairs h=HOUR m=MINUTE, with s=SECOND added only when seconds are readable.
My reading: h=12 m=14
